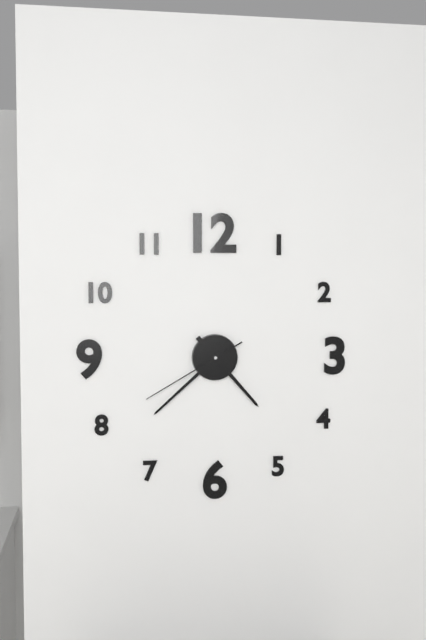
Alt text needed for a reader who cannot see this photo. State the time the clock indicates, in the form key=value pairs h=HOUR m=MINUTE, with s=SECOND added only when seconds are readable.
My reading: h=4 m=38 s=40
